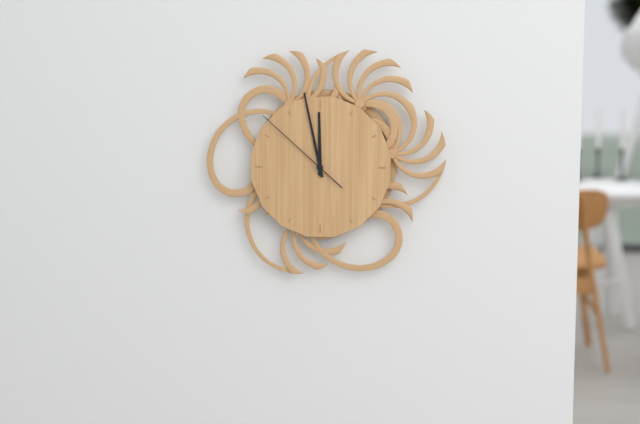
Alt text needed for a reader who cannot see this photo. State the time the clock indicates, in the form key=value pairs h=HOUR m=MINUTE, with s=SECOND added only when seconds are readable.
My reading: h=11 m=58 s=52
